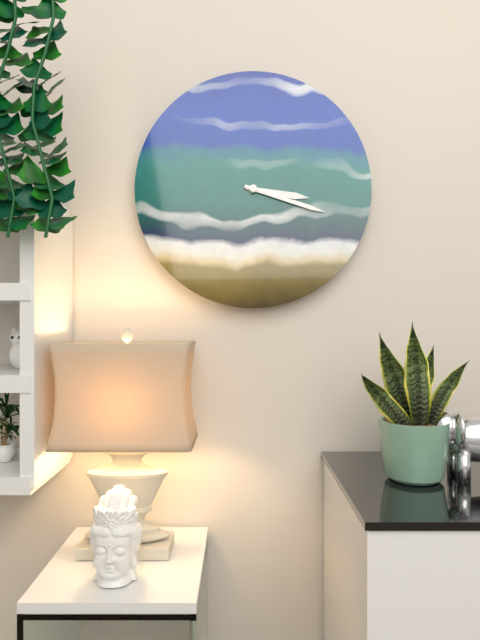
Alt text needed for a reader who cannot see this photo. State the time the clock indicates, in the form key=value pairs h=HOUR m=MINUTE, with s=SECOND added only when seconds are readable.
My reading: h=3 m=18
